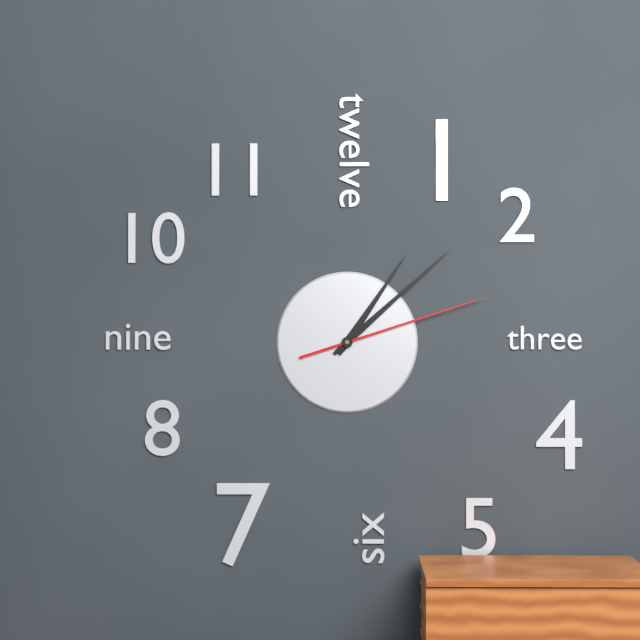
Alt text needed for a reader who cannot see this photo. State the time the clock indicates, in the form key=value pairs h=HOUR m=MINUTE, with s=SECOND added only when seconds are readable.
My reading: h=1 m=8 s=12
